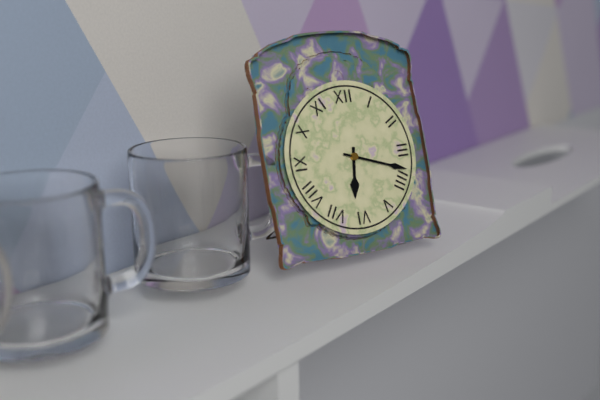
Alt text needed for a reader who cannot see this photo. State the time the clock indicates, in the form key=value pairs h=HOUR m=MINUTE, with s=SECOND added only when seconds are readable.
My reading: h=6 m=18
